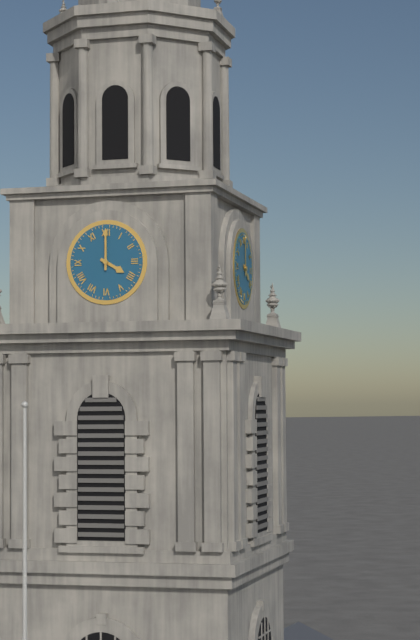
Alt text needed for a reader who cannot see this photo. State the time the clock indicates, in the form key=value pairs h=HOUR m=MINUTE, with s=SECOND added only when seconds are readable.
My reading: h=4 m=0
